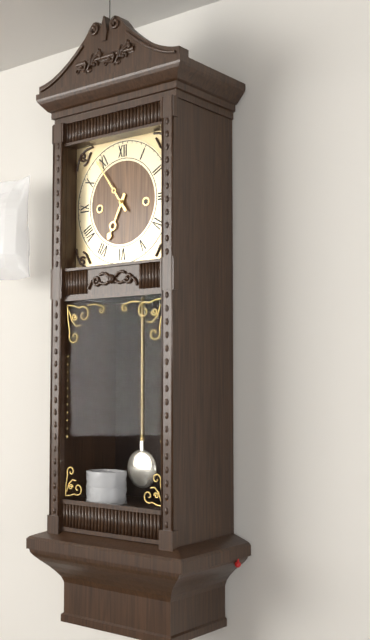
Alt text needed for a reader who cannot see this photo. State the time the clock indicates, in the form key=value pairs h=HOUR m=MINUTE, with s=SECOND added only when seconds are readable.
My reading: h=6 m=54
